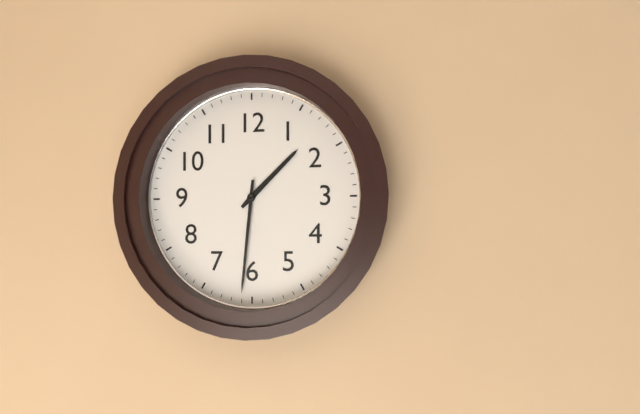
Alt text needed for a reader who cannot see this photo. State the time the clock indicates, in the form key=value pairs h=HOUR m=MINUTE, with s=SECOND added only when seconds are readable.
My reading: h=1 m=31
